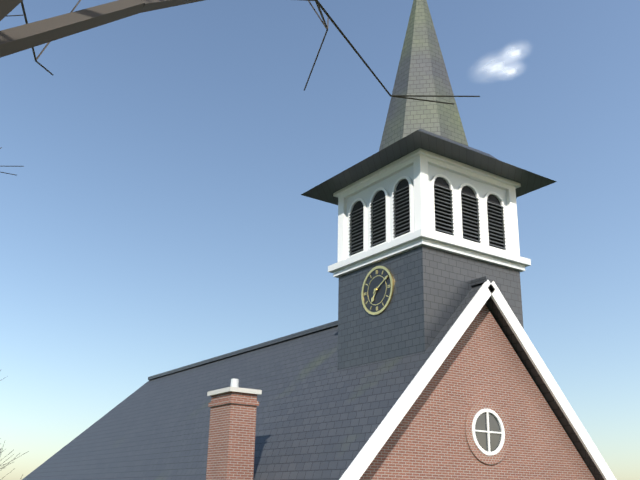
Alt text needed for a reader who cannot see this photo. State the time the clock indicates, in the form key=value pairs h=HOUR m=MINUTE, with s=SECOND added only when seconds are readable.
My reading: h=7 m=10
